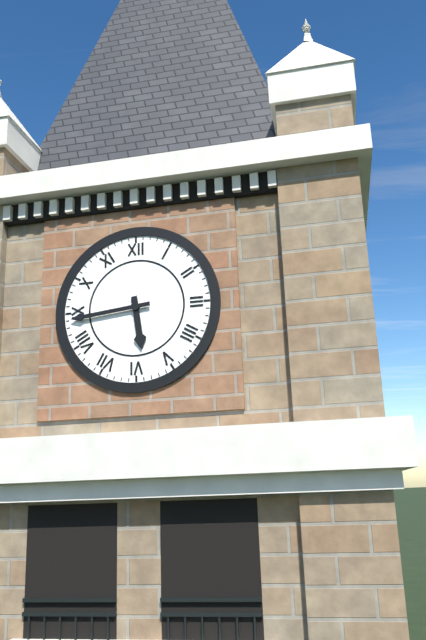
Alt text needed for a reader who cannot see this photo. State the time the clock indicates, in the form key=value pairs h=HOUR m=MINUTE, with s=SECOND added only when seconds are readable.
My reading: h=5 m=44
